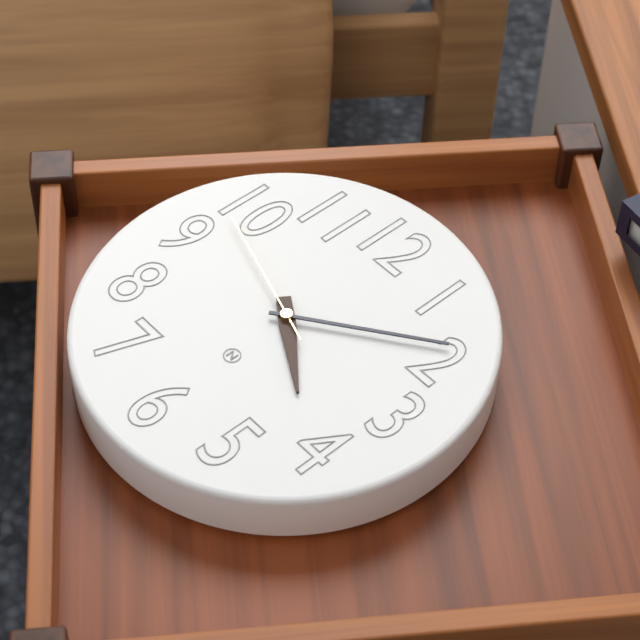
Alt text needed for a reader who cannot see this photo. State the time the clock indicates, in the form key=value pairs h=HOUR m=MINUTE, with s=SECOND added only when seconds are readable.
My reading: h=4 m=9 s=48
